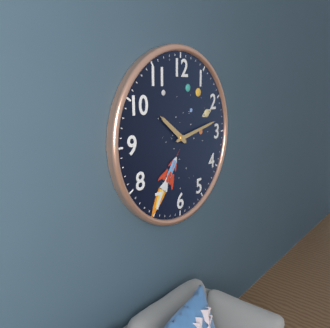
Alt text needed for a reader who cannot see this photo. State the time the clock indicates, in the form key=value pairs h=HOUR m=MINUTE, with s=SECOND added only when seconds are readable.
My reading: h=10 m=13
